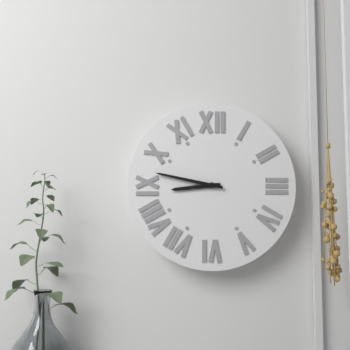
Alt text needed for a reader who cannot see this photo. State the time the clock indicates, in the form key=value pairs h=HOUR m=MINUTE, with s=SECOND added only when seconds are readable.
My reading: h=8 m=47
